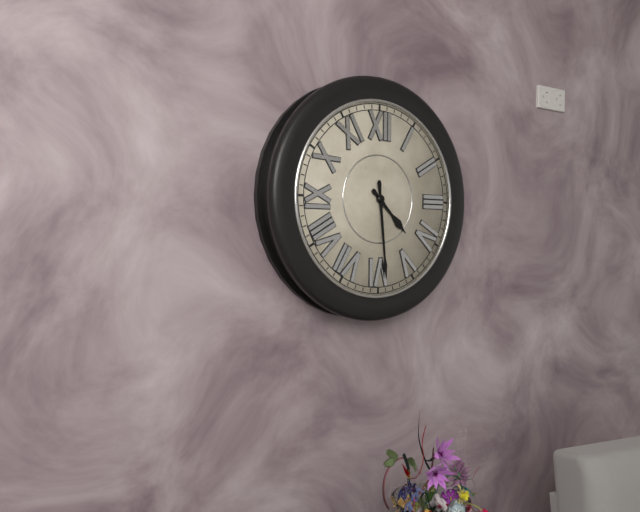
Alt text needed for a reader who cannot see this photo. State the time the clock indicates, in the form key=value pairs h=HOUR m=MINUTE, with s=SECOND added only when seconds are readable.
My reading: h=4 m=29
